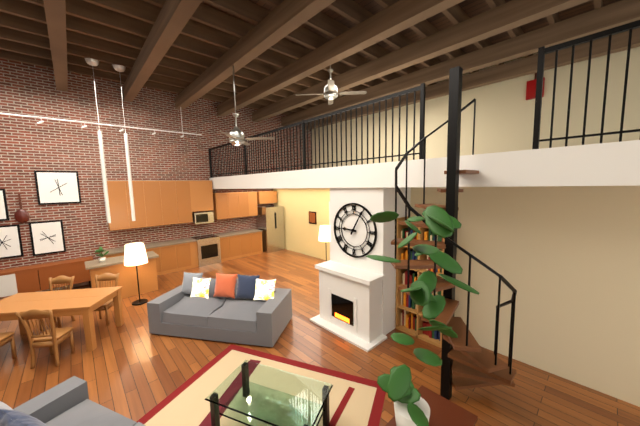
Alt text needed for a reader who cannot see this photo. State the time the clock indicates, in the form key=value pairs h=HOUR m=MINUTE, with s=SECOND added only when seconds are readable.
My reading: h=9 m=5
